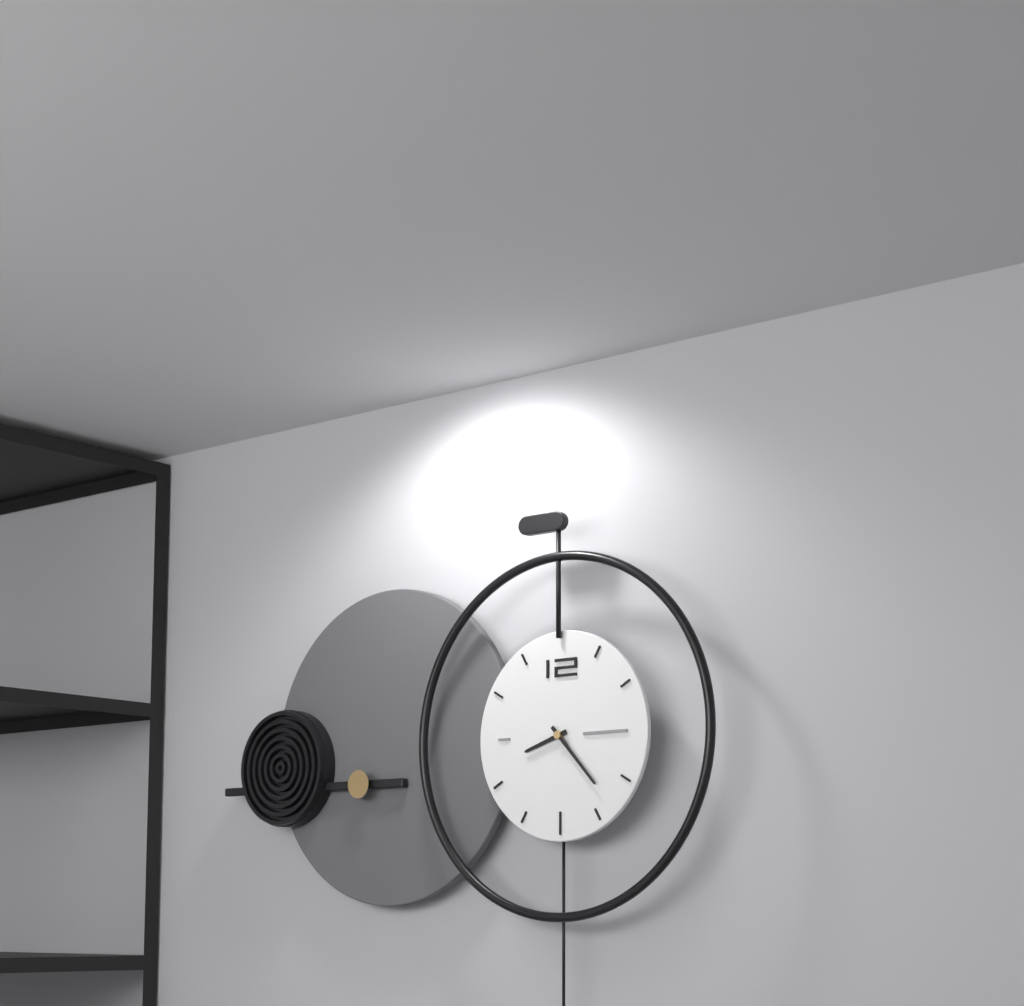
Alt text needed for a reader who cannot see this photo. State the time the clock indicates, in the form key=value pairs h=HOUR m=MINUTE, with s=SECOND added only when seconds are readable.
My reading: h=8 m=23
